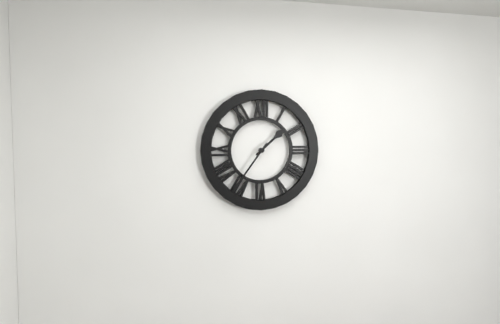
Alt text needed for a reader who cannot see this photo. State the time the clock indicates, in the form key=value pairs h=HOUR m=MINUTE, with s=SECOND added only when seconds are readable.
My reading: h=1 m=36
